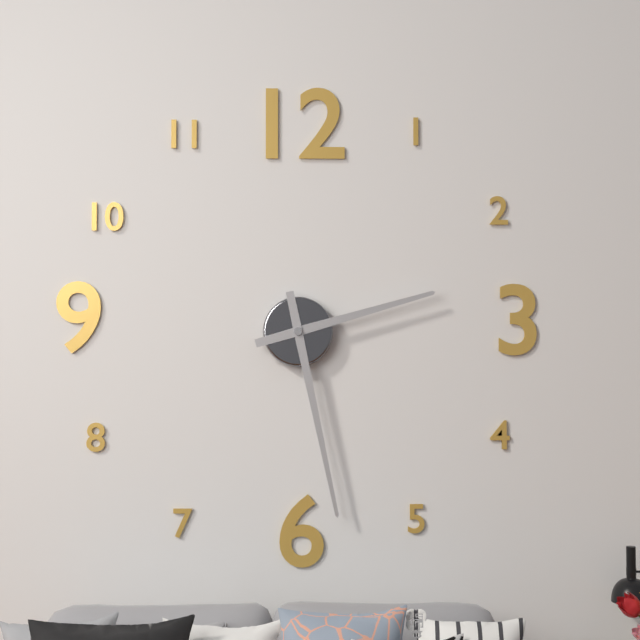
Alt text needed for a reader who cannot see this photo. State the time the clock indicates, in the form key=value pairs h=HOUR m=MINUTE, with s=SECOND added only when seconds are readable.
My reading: h=2 m=28
